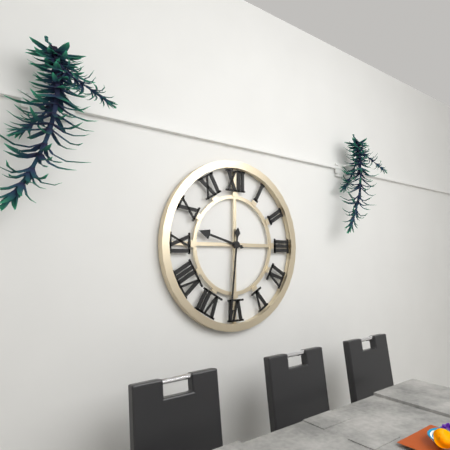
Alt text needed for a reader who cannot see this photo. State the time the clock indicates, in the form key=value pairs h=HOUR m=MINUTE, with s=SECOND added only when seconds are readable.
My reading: h=9 m=31
